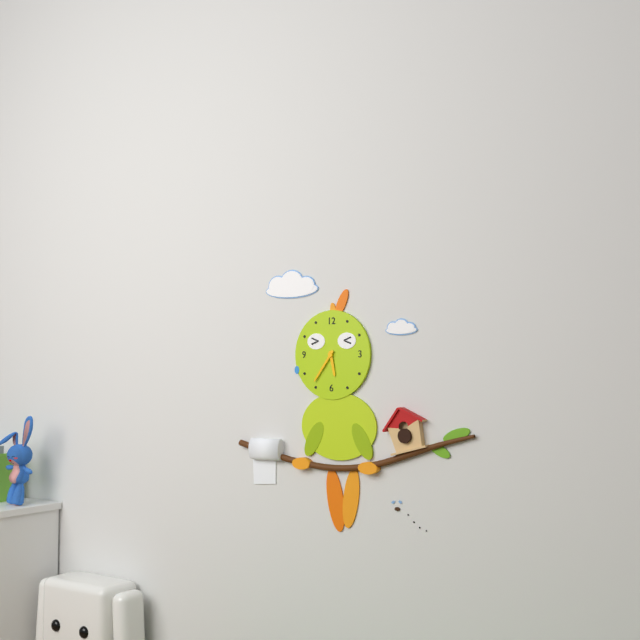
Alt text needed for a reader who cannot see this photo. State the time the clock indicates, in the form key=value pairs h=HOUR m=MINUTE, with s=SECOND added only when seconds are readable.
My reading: h=5 m=36
